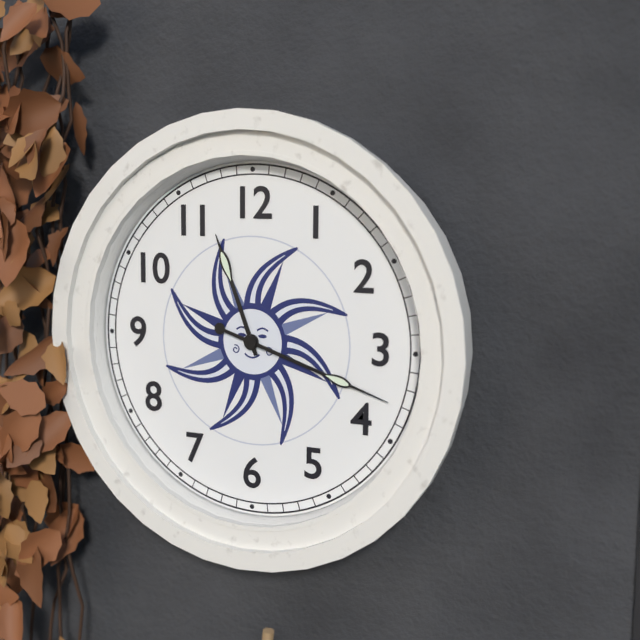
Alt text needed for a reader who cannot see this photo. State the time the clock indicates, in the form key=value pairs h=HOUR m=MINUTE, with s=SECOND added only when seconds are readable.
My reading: h=11 m=18
